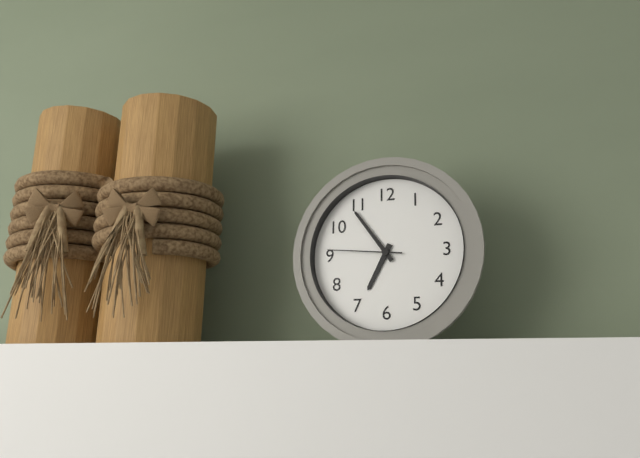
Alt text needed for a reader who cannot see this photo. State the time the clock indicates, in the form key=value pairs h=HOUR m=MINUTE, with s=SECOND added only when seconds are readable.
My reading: h=6 m=54 s=46
